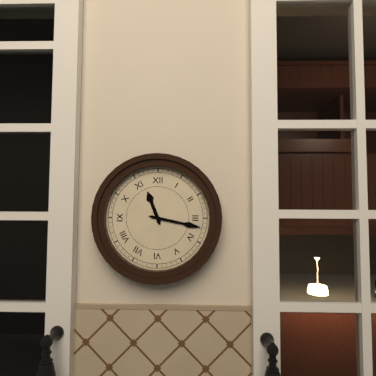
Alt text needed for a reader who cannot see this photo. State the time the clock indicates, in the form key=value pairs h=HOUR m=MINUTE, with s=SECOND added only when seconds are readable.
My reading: h=11 m=17
